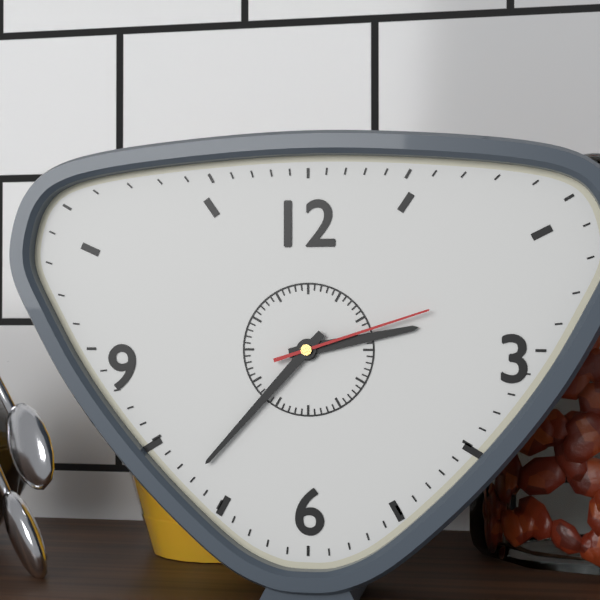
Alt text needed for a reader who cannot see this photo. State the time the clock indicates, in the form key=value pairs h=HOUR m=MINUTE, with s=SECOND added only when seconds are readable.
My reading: h=2 m=37 s=12
